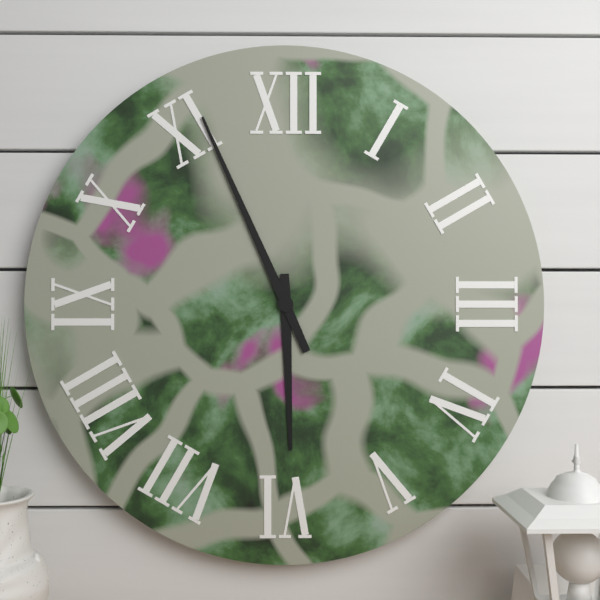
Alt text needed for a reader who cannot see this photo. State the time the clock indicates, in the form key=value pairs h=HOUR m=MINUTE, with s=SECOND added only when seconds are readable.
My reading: h=5 m=56
